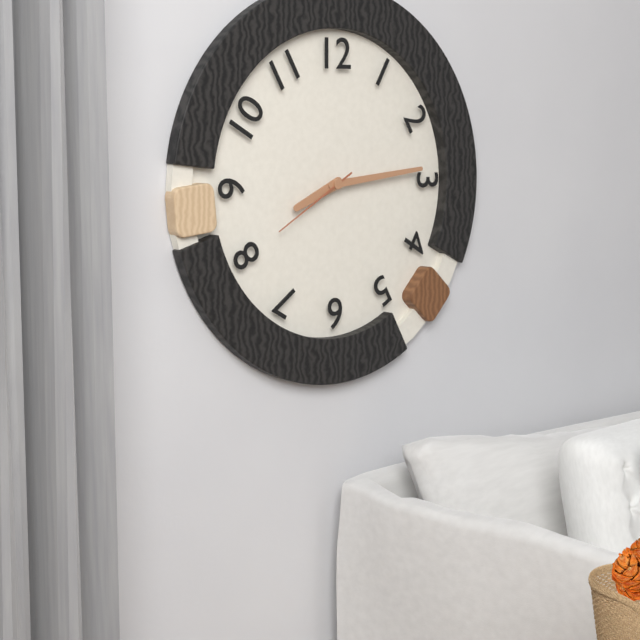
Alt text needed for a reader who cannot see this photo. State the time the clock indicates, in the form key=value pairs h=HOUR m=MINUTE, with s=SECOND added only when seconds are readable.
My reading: h=8 m=14 s=40
